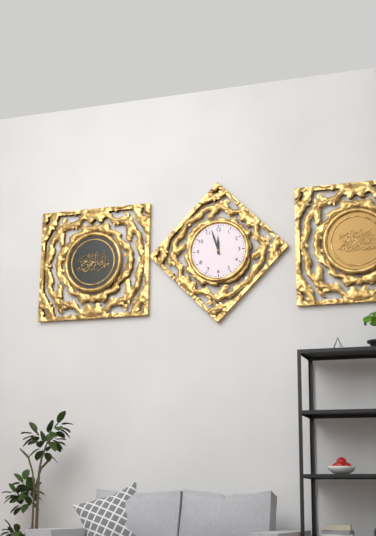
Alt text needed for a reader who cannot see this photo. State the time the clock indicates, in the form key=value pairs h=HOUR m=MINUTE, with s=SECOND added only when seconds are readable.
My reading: h=11 m=57
